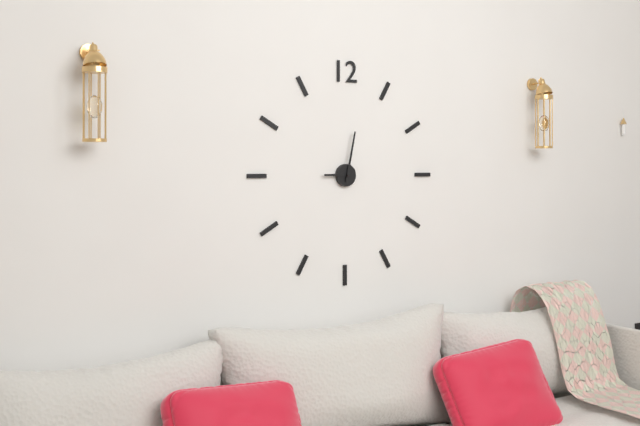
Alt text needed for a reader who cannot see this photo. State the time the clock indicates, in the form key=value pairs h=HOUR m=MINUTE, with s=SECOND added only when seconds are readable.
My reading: h=9 m=2
